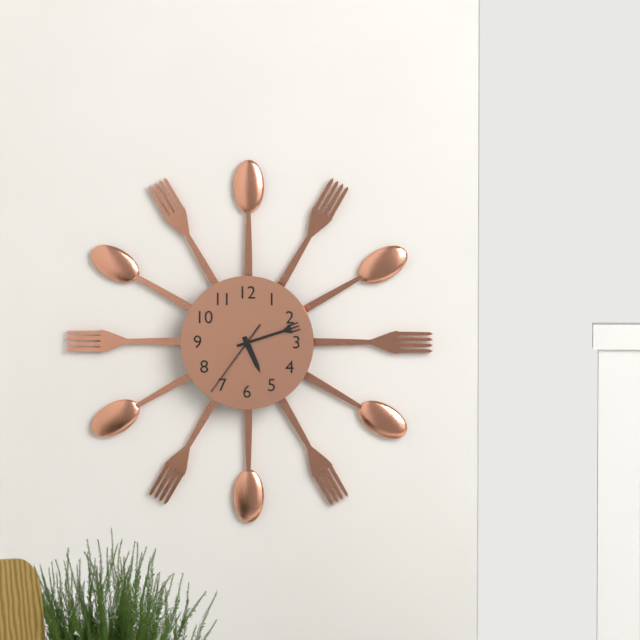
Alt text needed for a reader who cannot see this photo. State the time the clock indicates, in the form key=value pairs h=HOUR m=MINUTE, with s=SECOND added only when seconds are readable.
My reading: h=5 m=12 s=36
